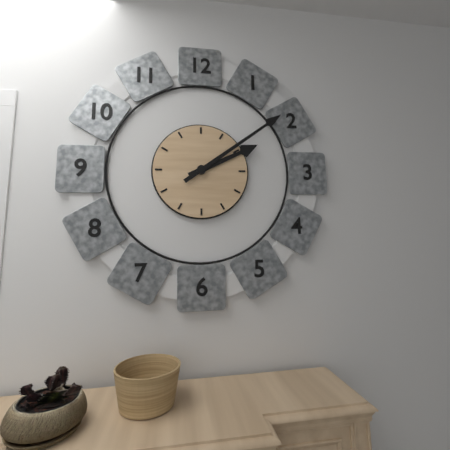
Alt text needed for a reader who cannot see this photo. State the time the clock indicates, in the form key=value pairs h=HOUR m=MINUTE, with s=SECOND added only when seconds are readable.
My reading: h=2 m=9
